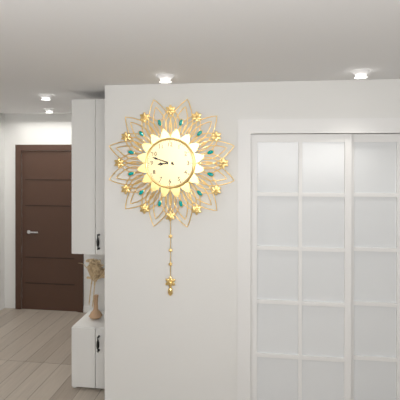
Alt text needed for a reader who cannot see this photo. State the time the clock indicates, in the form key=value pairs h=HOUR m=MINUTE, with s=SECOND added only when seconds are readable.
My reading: h=8 m=48
